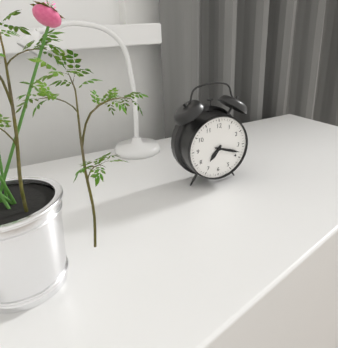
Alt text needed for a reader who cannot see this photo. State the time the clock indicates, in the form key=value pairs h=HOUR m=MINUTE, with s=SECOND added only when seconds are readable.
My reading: h=7 m=18
